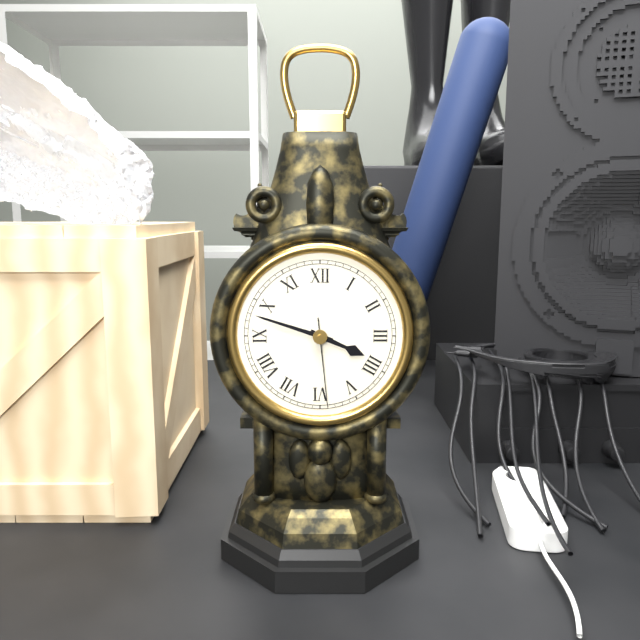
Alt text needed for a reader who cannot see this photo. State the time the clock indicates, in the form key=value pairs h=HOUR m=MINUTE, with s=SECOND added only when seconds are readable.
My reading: h=3 m=48 s=29
